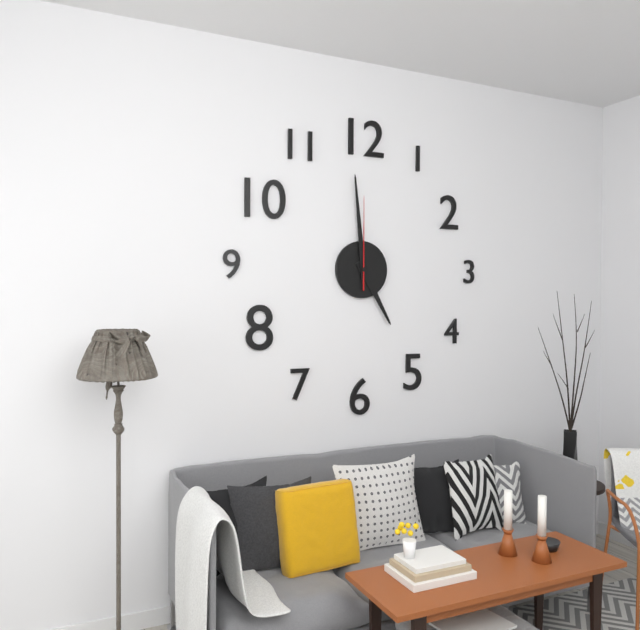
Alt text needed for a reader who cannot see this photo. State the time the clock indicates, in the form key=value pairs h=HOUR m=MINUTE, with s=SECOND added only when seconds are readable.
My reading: h=4 m=59 s=0
